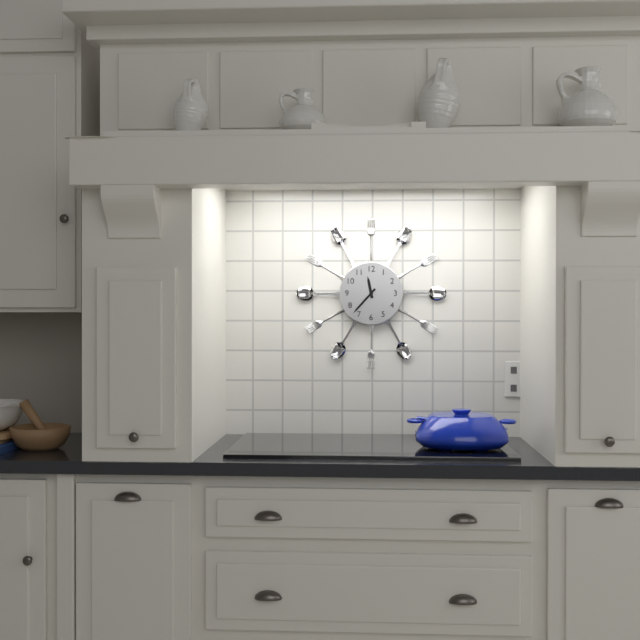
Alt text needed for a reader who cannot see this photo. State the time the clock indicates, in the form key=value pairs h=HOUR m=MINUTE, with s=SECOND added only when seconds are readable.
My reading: h=11 m=37
